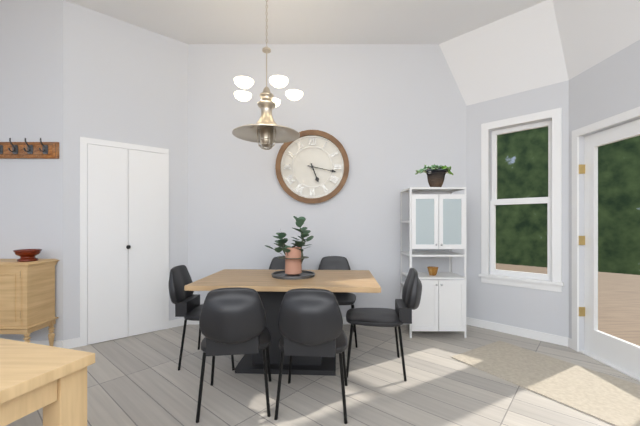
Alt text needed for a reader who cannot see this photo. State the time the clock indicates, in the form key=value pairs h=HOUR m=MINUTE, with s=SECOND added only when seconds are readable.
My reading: h=5 m=17
